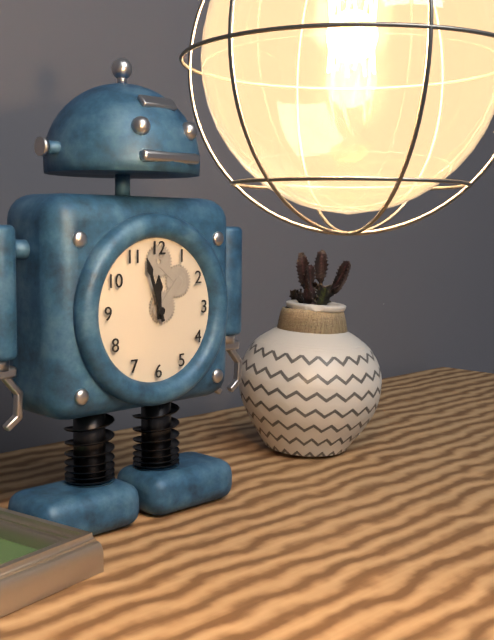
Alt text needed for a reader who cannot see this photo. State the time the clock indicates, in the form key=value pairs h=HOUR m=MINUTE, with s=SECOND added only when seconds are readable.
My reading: h=11 m=57
